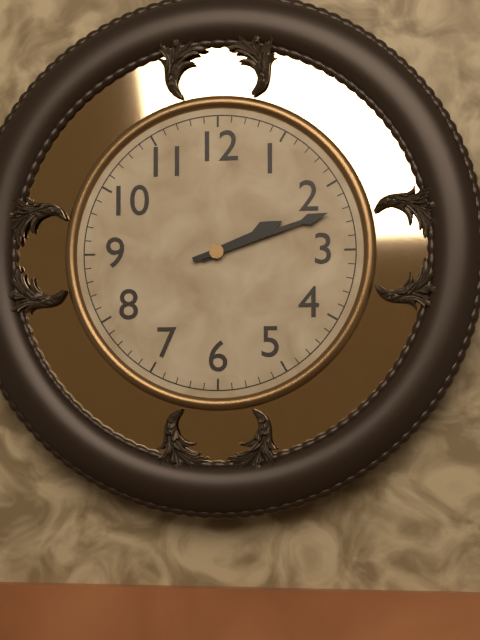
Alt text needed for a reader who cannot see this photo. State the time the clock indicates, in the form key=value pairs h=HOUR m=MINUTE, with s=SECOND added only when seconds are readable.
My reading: h=2 m=12
